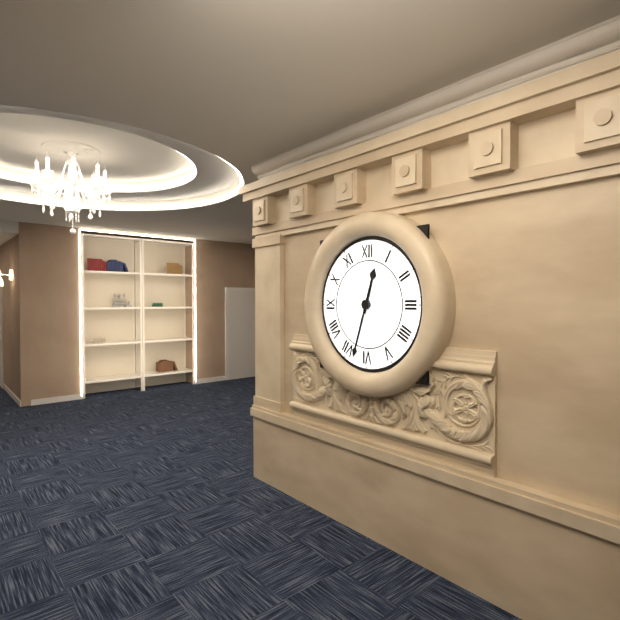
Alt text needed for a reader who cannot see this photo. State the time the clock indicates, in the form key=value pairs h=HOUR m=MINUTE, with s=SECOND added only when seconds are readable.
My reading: h=12 m=33
